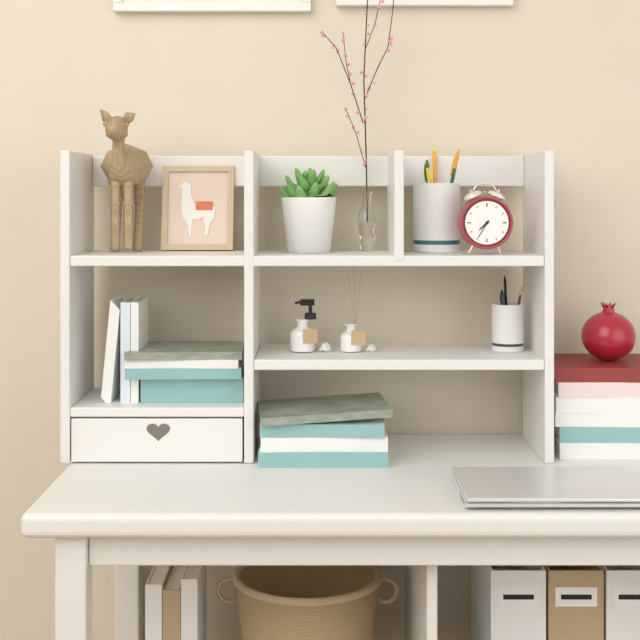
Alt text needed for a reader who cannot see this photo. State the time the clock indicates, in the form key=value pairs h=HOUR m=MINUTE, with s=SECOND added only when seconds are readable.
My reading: h=7 m=35
